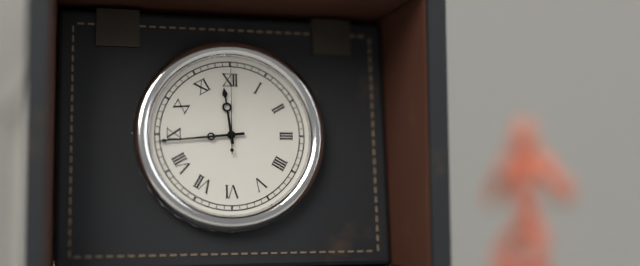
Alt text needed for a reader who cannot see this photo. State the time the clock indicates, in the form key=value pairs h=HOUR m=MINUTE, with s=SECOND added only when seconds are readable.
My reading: h=11 m=44 s=0
